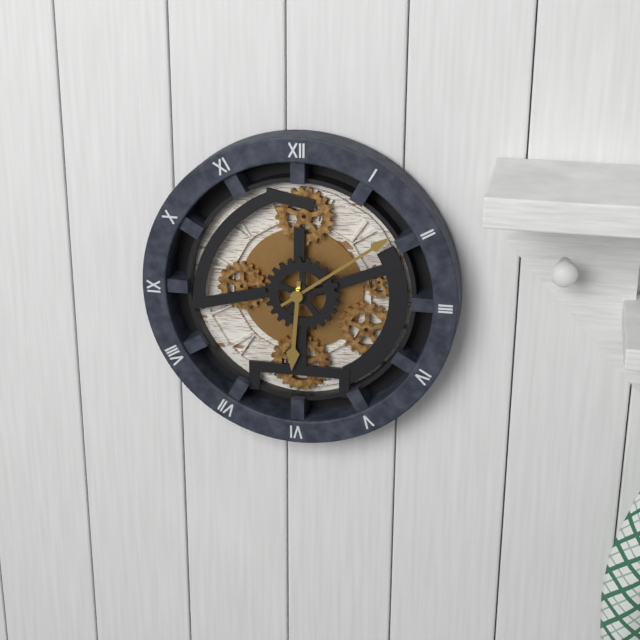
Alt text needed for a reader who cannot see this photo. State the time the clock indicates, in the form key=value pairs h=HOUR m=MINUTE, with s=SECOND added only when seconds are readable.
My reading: h=6 m=9
